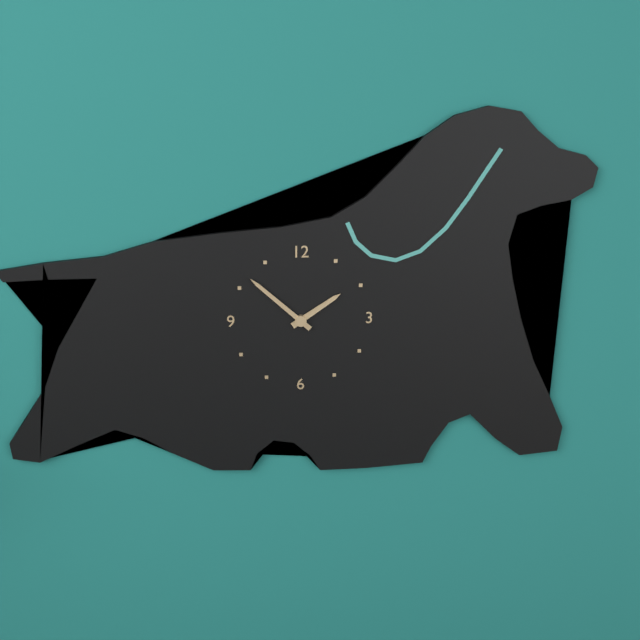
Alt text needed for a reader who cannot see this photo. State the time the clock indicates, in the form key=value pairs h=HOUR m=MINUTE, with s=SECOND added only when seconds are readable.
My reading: h=1 m=52
